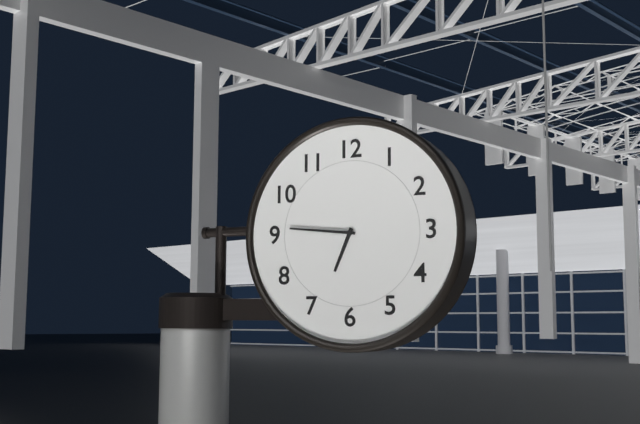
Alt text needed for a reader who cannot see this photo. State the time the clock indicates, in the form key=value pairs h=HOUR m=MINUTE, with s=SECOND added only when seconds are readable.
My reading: h=6 m=46
